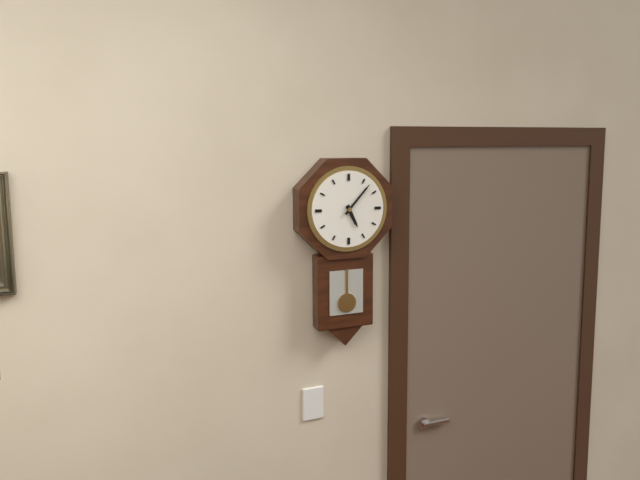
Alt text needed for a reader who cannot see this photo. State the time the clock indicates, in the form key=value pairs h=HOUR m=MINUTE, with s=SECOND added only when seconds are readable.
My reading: h=5 m=7
